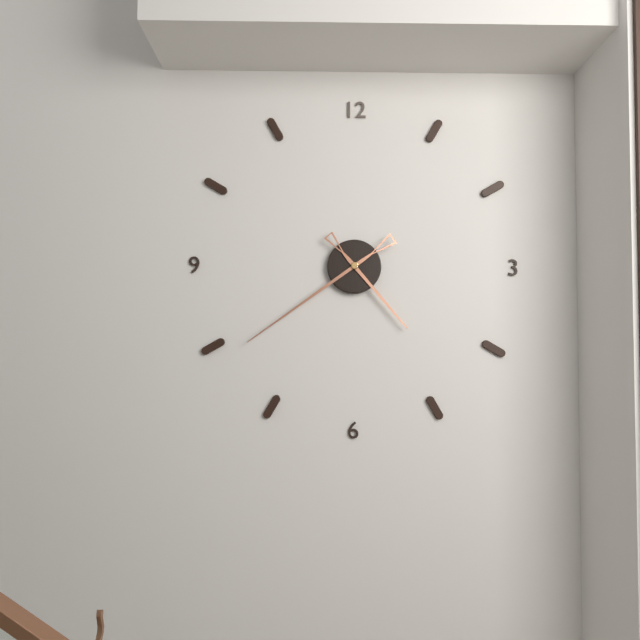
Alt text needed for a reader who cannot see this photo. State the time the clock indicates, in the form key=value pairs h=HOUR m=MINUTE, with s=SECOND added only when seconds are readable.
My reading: h=4 m=39
